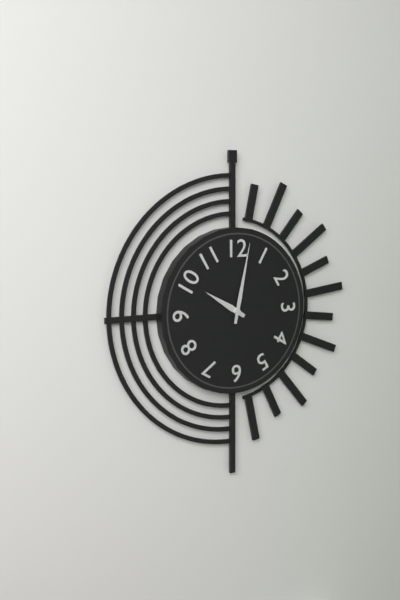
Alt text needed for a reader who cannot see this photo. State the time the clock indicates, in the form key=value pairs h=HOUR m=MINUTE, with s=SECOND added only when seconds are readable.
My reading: h=10 m=2
